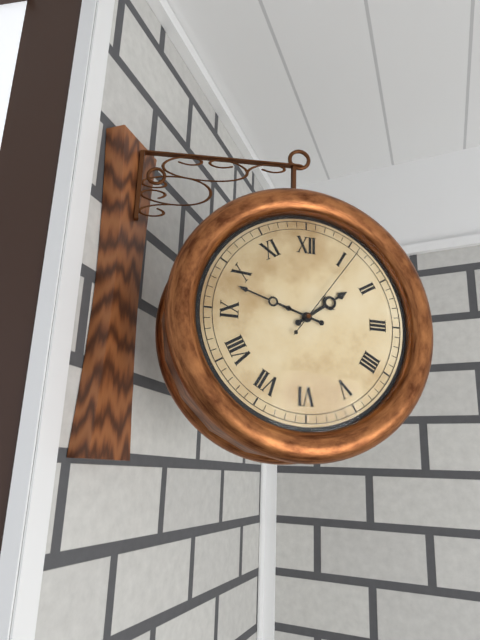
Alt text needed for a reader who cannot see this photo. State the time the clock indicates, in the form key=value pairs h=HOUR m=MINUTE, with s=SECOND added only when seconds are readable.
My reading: h=1 m=48 s=6
